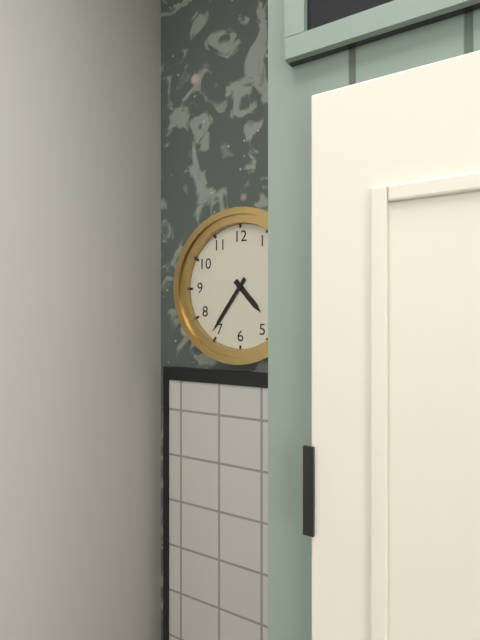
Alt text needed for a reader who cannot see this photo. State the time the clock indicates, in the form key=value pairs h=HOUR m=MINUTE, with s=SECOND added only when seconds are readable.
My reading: h=4 m=36
